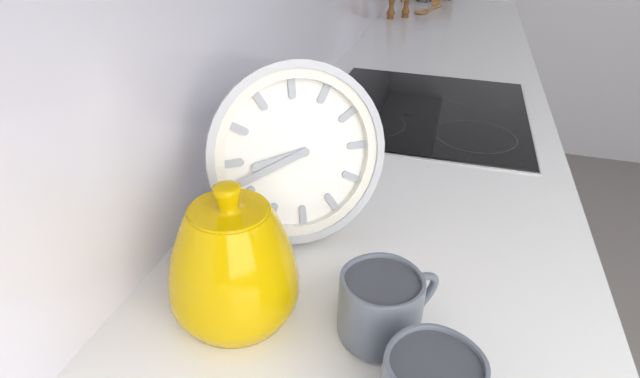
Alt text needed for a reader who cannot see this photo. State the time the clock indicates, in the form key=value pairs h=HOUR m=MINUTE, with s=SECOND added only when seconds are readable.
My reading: h=8 m=42
